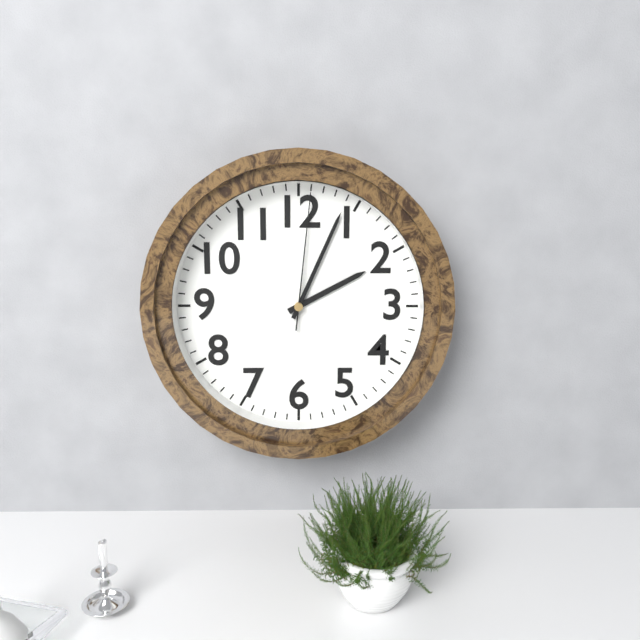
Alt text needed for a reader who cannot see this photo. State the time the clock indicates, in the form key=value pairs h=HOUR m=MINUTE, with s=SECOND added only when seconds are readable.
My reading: h=2 m=4 s=1
